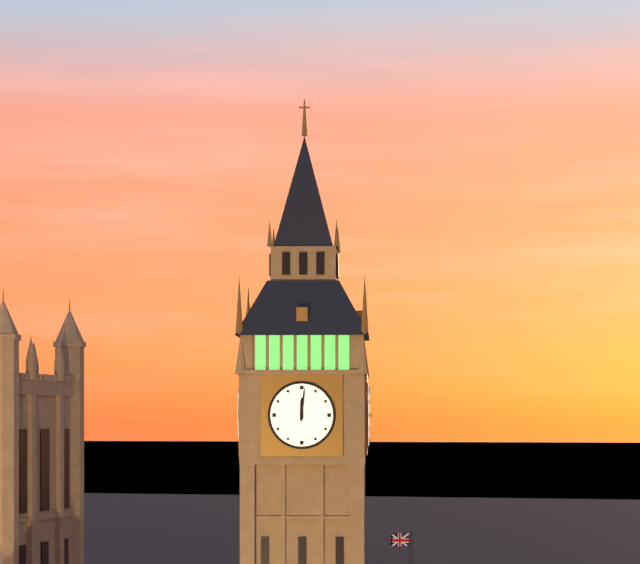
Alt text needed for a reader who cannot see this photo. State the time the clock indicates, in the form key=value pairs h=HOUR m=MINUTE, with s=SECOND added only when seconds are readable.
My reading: h=12 m=1
